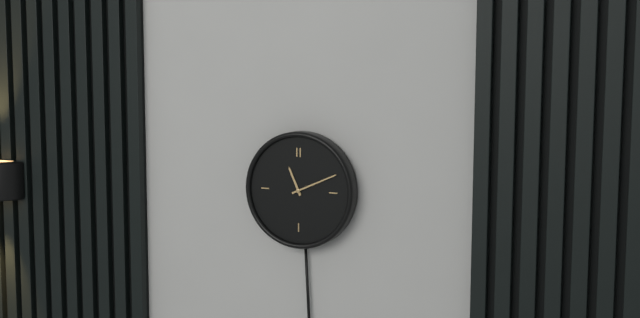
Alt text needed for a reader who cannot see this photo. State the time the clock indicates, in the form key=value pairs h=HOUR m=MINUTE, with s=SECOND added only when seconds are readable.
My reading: h=11 m=11
